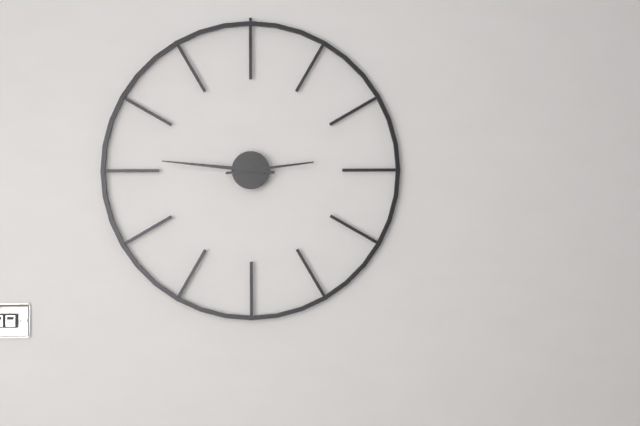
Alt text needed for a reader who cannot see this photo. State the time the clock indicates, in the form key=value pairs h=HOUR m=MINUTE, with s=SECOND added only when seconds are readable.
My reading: h=2 m=46
